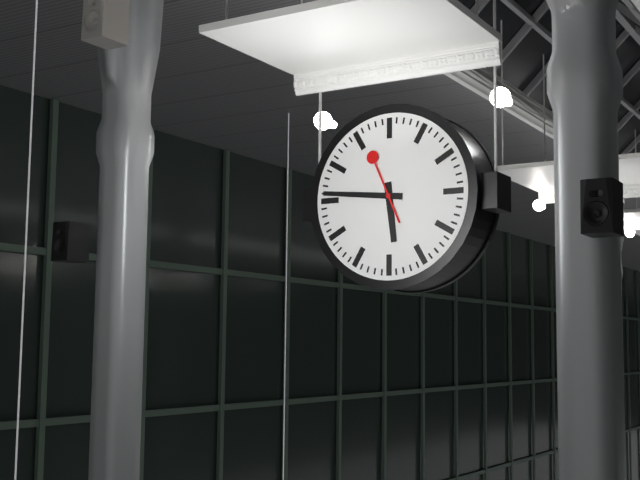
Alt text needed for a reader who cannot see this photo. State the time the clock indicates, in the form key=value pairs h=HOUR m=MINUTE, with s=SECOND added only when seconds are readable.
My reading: h=5 m=46 s=56
